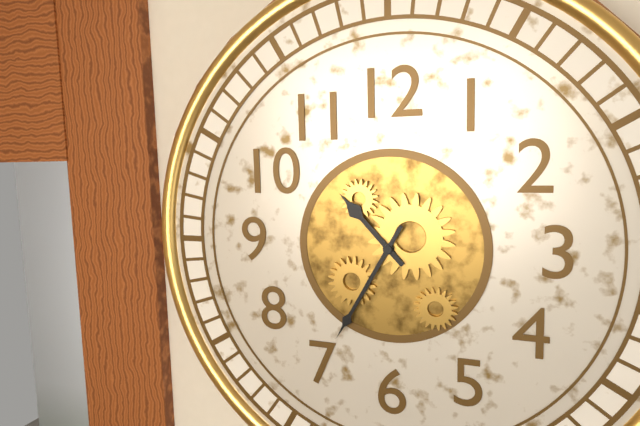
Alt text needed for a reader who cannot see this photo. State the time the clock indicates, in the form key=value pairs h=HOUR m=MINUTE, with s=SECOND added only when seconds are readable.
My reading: h=10 m=35
